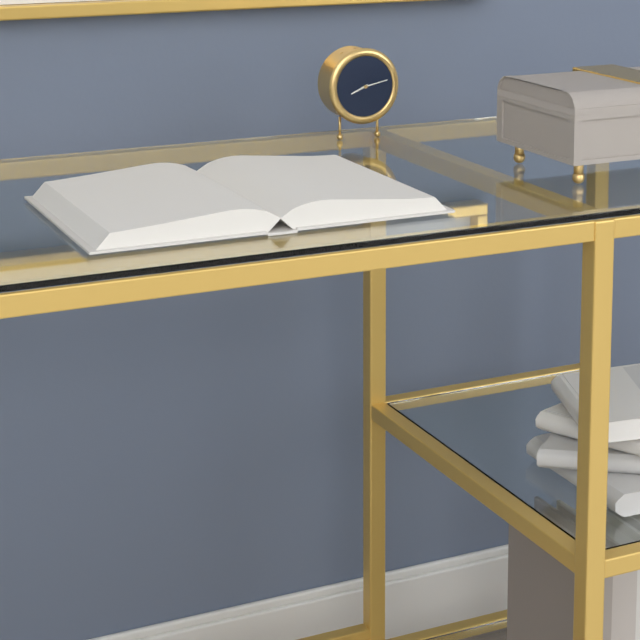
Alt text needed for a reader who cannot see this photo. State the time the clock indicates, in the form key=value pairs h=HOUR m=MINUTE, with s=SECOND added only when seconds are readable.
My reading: h=8 m=13
